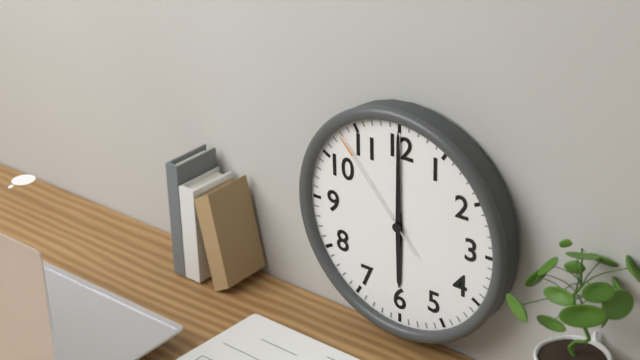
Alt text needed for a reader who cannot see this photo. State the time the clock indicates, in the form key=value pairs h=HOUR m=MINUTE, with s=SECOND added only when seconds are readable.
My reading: h=6 m=0 s=53
